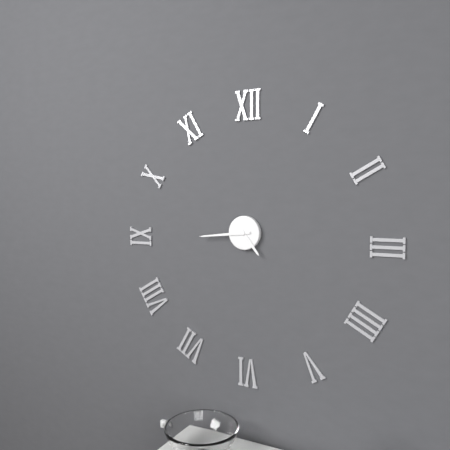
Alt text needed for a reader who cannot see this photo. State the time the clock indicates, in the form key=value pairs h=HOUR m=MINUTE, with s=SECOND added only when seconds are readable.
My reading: h=4 m=44
